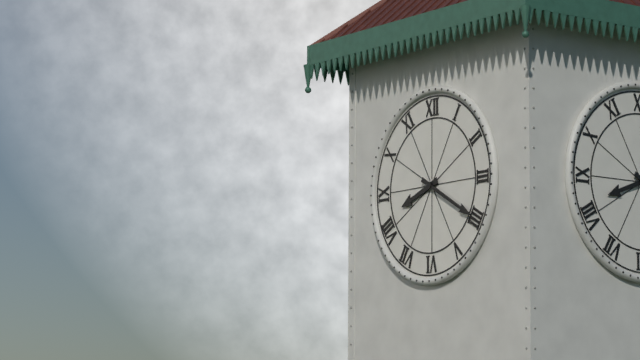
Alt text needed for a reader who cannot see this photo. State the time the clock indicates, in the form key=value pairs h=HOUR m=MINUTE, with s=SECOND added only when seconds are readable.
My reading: h=8 m=20
